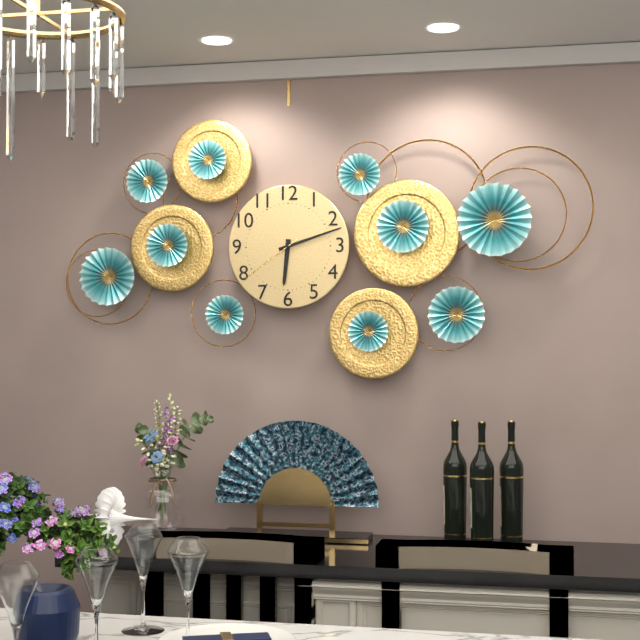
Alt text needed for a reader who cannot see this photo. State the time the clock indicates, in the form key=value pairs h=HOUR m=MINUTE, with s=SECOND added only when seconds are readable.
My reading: h=6 m=12 s=39
